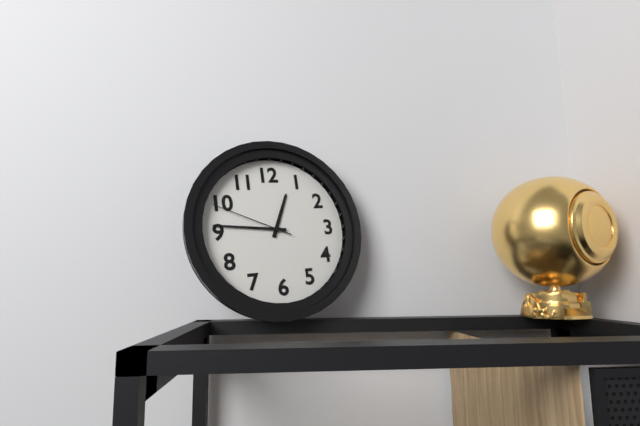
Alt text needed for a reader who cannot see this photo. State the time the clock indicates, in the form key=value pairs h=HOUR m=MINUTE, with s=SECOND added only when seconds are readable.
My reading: h=12 m=46 s=49
